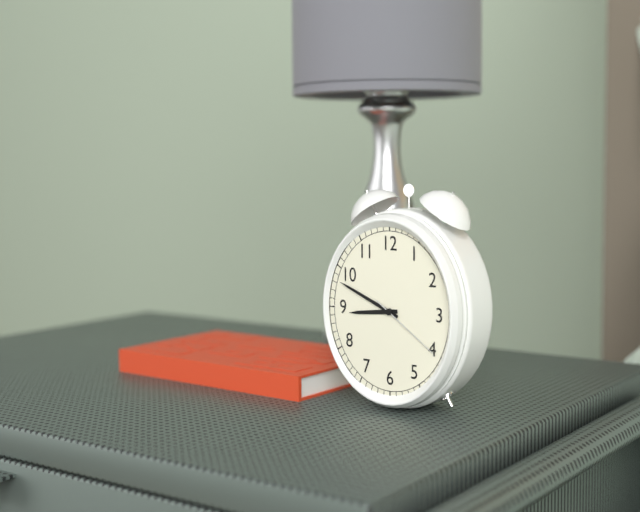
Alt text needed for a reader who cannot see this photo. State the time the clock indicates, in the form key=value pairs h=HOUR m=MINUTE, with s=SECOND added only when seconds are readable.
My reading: h=8 m=49 s=21
